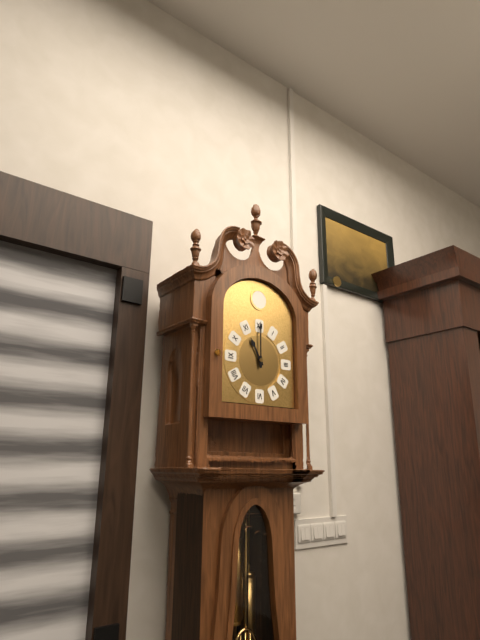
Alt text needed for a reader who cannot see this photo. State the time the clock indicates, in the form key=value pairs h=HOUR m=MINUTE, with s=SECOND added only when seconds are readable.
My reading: h=11 m=0
